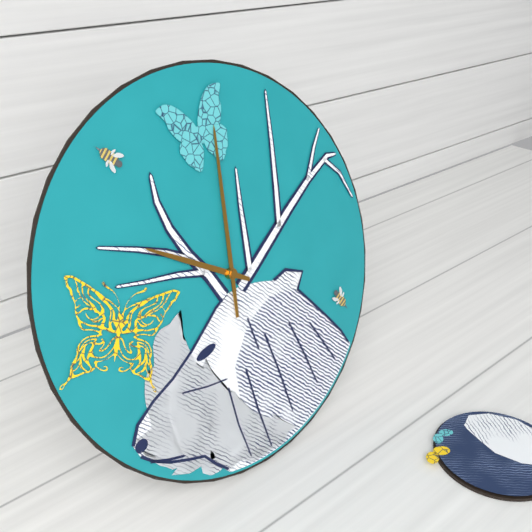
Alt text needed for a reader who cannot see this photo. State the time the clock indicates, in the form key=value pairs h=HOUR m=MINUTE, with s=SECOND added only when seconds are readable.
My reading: h=10 m=1
